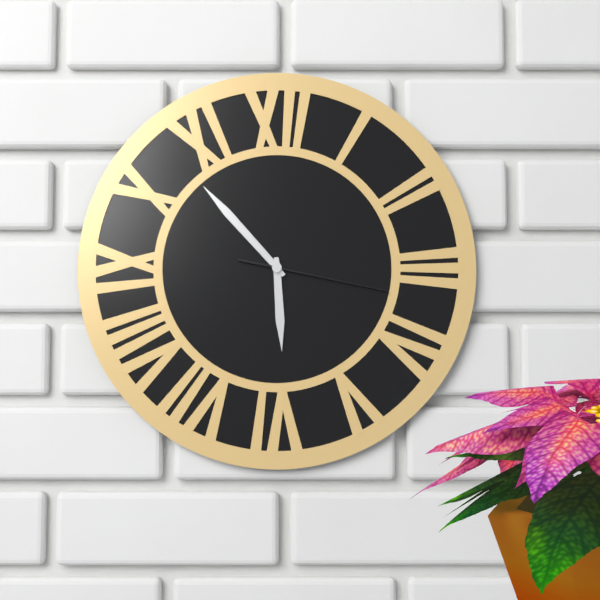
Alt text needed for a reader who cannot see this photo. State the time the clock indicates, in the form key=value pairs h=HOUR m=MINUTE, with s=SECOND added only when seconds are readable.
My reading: h=5 m=53 s=17
